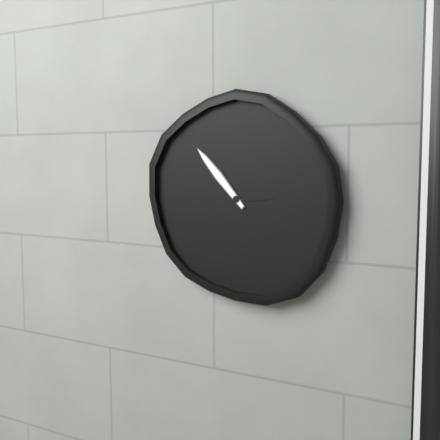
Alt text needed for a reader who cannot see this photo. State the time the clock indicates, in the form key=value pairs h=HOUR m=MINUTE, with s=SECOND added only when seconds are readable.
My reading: h=2 m=53
